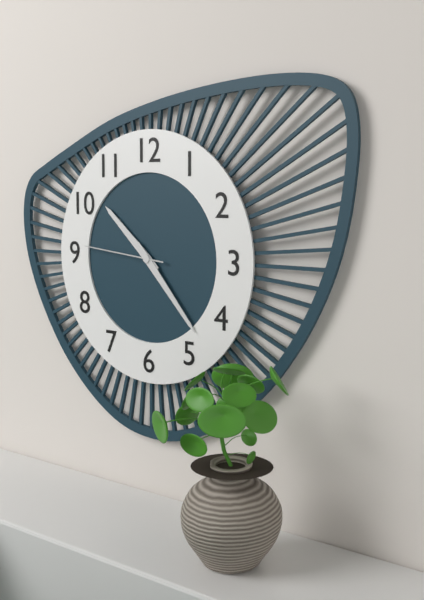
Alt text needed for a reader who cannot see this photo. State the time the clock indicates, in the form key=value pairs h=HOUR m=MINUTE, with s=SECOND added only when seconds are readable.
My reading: h=10 m=23 s=46
